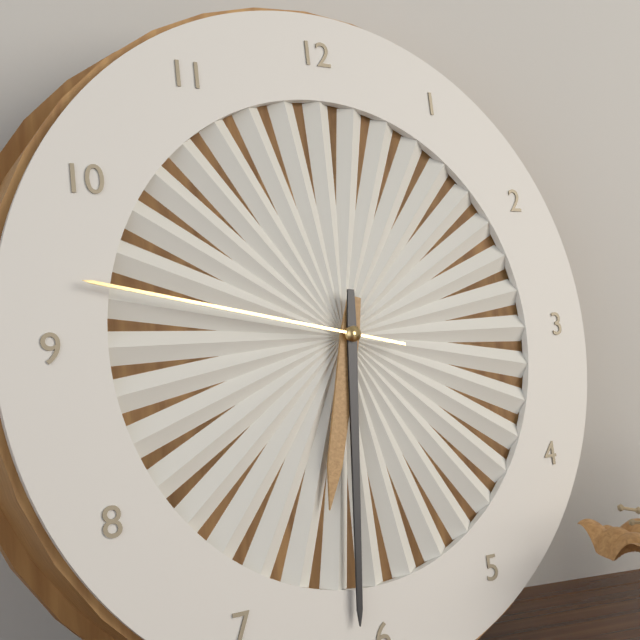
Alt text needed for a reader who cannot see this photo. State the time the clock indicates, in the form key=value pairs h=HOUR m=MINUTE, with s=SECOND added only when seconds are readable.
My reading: h=6 m=31 s=47
